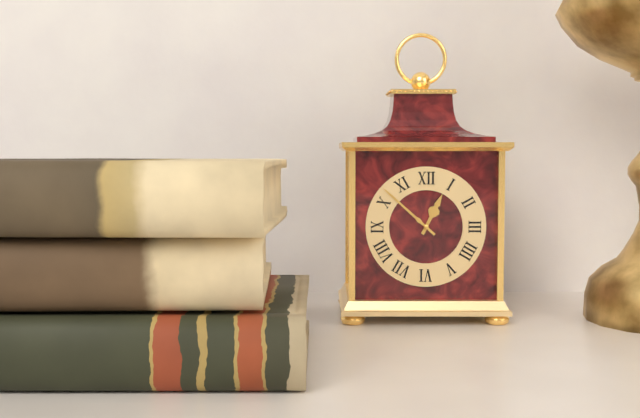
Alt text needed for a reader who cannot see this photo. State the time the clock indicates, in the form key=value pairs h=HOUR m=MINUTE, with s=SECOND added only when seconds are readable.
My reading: h=12 m=52
